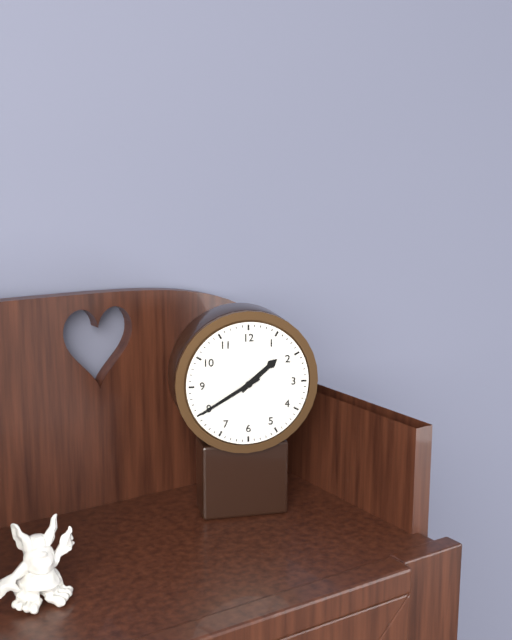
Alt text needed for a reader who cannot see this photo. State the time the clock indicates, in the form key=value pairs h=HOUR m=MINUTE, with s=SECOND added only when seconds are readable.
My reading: h=1 m=40
